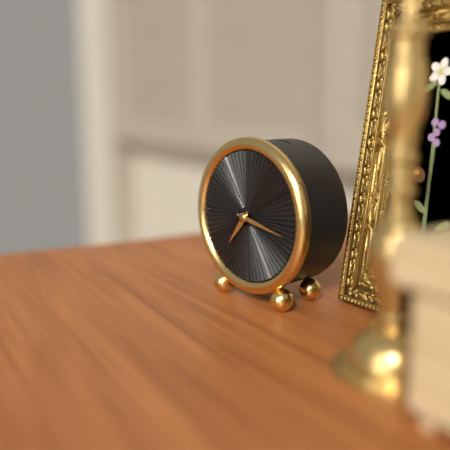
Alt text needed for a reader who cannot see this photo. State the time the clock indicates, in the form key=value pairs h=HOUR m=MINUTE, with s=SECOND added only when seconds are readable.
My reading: h=7 m=17
